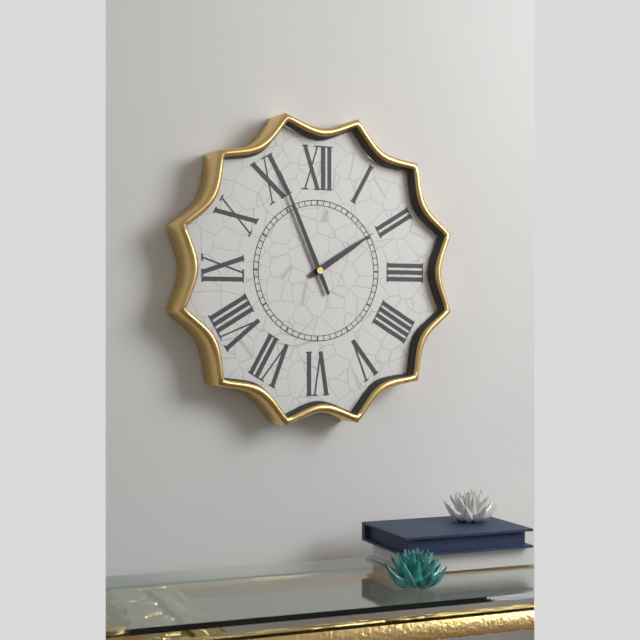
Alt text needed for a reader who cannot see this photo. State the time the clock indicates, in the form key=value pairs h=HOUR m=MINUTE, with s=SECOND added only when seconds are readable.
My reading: h=1 m=56
